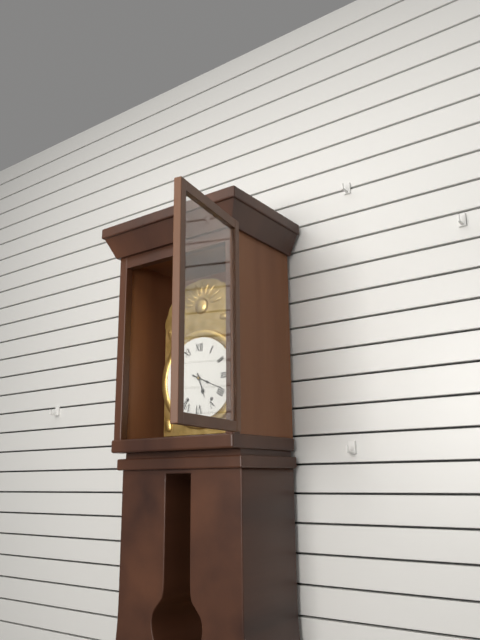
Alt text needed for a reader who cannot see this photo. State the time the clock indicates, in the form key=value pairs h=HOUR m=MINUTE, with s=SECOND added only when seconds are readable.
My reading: h=5 m=19
